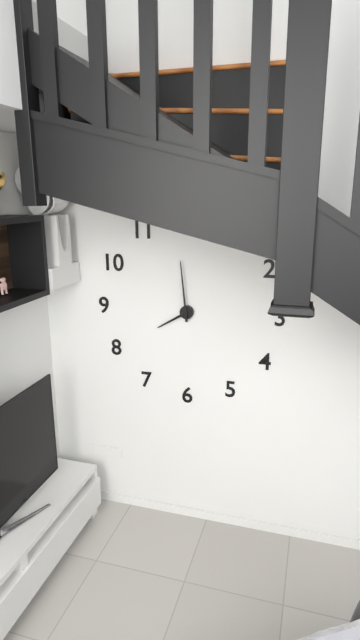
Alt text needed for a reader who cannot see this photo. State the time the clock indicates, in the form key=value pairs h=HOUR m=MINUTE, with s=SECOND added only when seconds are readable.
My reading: h=7 m=59
